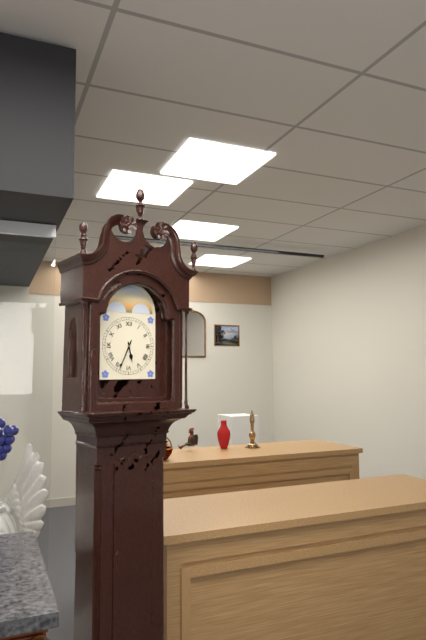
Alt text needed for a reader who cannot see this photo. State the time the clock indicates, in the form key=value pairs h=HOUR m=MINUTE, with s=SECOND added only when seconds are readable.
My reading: h=5 m=34
